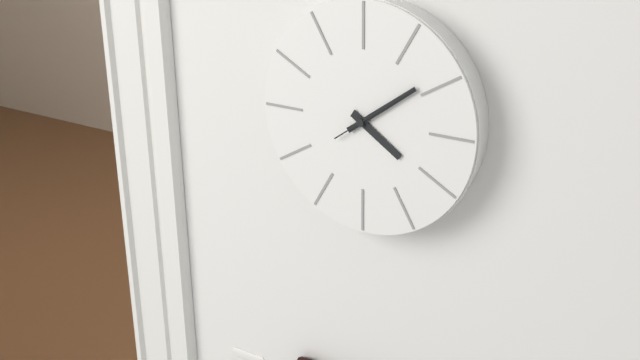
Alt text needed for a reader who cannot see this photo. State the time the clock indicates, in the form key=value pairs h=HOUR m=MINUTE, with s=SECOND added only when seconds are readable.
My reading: h=4 m=9 s=9
